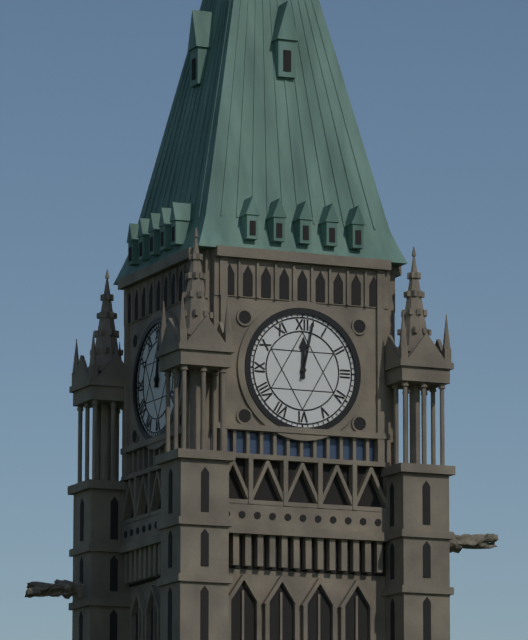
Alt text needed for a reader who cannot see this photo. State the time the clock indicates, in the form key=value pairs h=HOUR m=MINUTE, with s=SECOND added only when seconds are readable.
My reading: h=12 m=2
